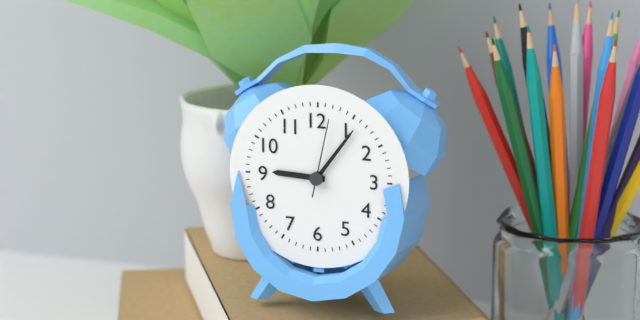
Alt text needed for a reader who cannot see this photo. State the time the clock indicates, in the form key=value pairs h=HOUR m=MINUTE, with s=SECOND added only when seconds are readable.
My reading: h=9 m=6 s=2
